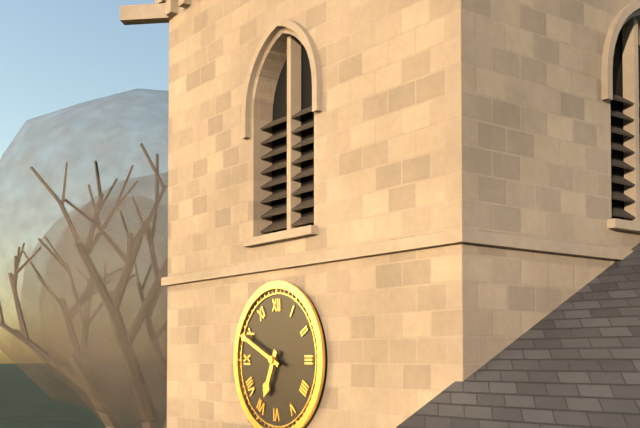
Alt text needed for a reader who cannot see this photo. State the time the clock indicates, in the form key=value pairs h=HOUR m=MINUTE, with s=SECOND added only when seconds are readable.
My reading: h=6 m=49
